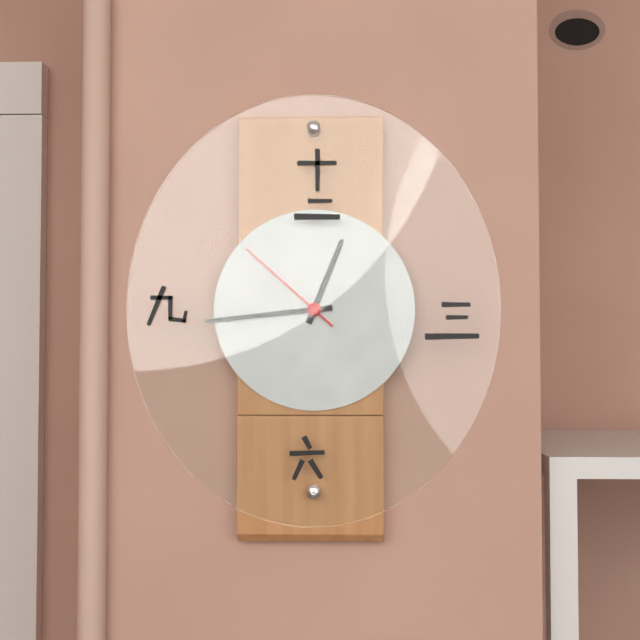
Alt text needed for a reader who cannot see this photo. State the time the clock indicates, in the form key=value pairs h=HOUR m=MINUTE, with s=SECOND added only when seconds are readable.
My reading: h=12 m=44 s=52
